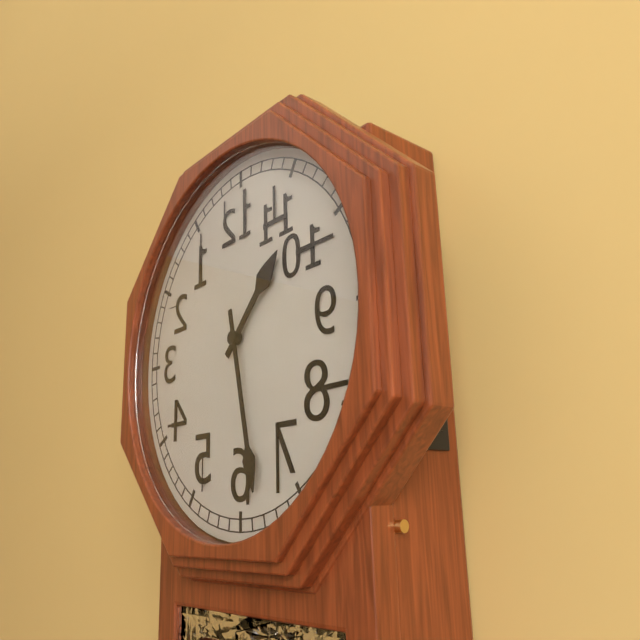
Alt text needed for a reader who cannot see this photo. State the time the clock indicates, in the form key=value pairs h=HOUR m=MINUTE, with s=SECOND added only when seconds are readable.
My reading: h=1 m=28
